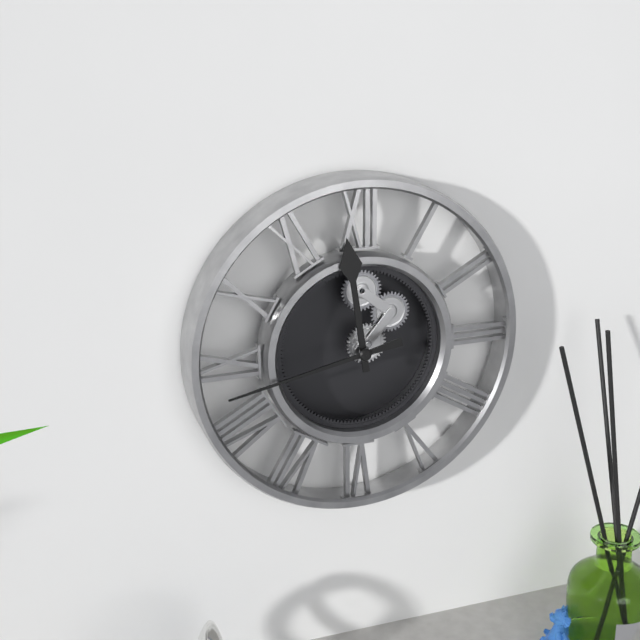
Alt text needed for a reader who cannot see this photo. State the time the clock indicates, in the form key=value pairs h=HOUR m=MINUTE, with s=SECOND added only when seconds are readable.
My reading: h=11 m=43
